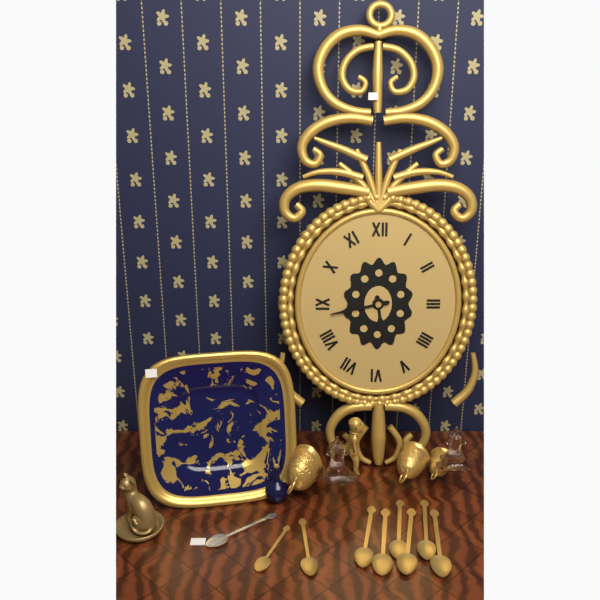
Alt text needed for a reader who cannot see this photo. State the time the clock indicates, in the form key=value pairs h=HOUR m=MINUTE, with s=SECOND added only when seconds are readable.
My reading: h=5 m=43
